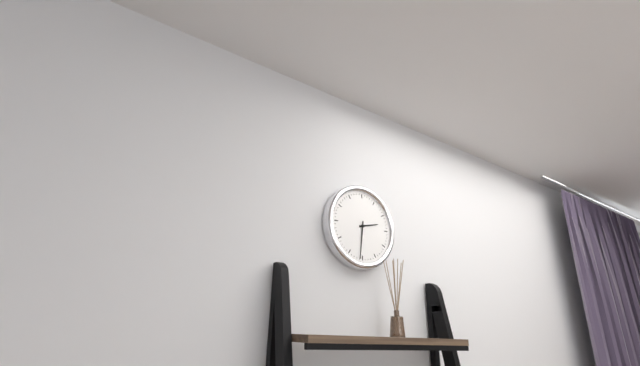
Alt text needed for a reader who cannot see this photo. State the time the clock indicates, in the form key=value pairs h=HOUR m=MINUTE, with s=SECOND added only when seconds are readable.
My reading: h=2 m=31
